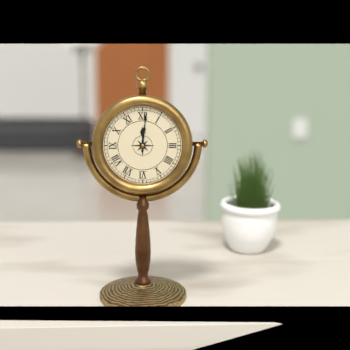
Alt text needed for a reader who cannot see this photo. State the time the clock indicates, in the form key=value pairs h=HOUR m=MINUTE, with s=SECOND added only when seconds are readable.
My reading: h=12 m=1
